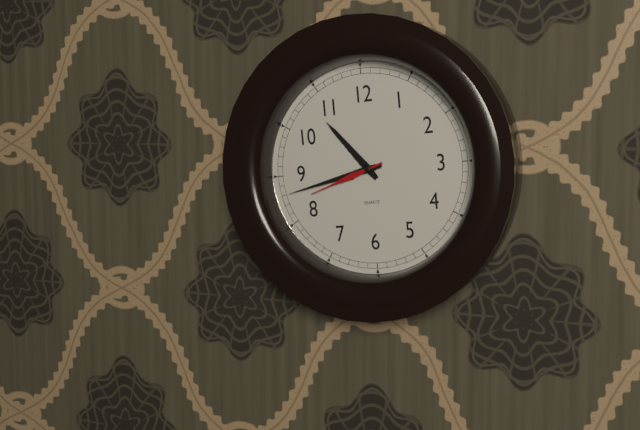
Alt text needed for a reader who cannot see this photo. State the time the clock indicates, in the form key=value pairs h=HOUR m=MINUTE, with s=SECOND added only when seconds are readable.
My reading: h=10 m=43 s=42
